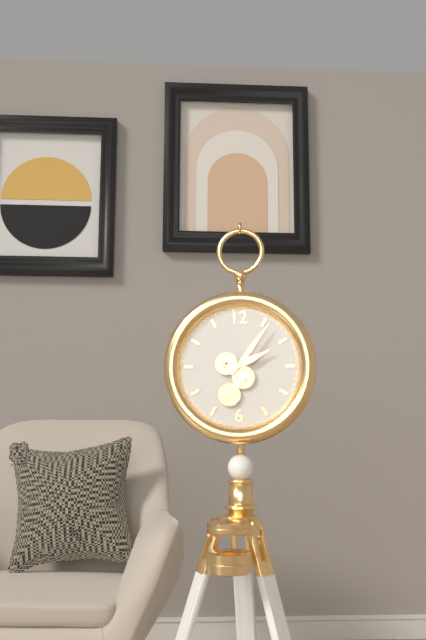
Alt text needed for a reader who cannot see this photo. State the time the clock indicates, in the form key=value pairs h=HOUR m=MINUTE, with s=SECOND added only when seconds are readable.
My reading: h=2 m=6
